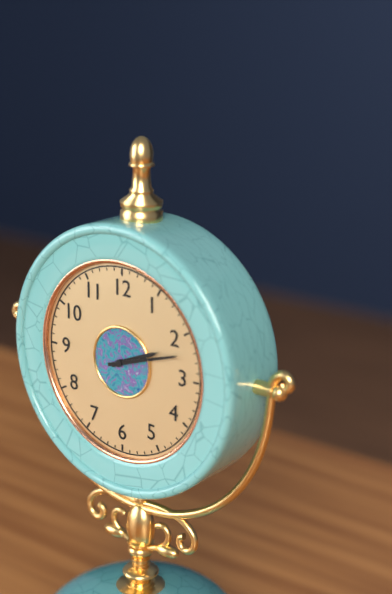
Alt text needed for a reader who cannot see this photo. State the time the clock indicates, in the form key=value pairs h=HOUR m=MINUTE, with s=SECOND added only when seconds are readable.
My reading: h=2 m=12
